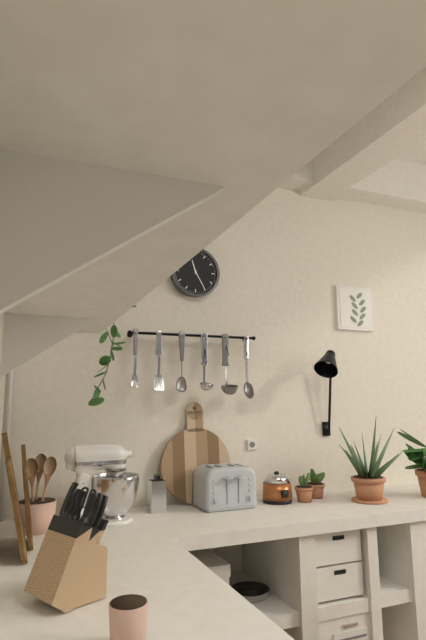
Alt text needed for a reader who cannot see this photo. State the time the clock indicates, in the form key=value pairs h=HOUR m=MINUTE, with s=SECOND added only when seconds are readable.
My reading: h=11 m=25
